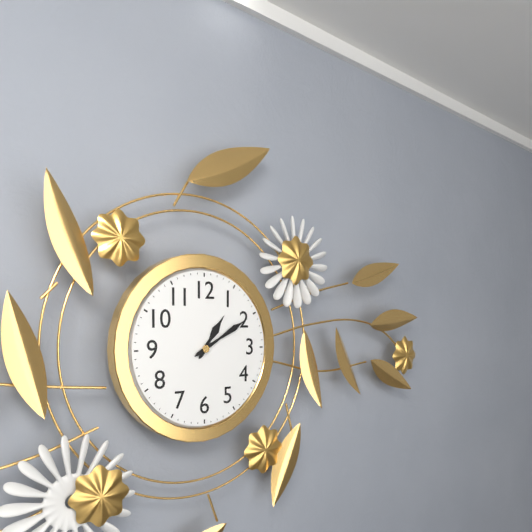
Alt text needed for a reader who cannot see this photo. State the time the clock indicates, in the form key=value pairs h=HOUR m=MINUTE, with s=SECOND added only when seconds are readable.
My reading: h=1 m=10
